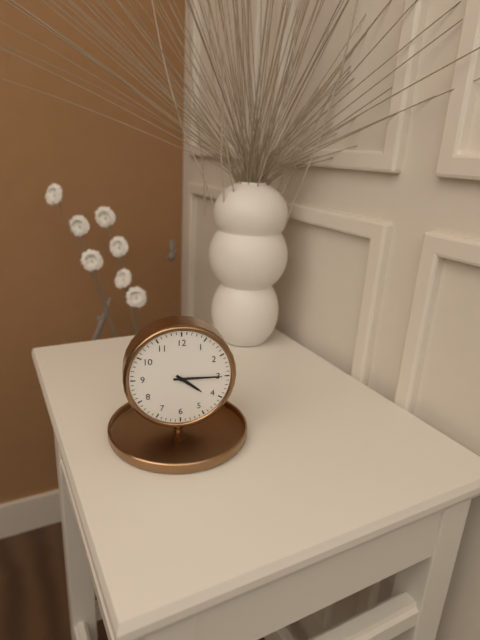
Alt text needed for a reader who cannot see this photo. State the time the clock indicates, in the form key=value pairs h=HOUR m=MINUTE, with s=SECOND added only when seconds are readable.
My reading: h=4 m=15
